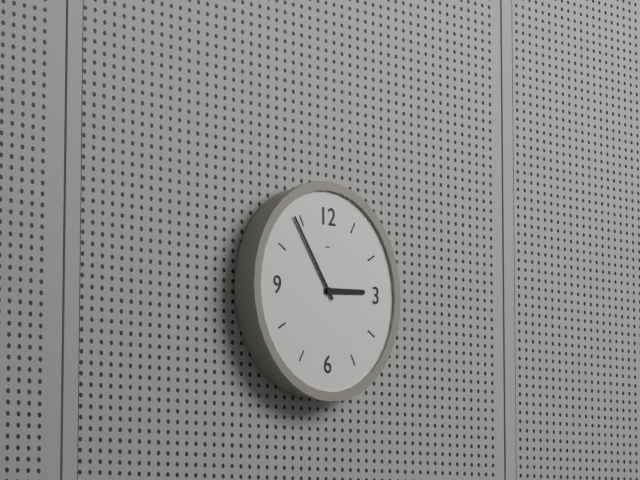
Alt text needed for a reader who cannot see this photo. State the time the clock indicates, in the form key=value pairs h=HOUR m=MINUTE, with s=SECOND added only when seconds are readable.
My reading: h=2 m=54
